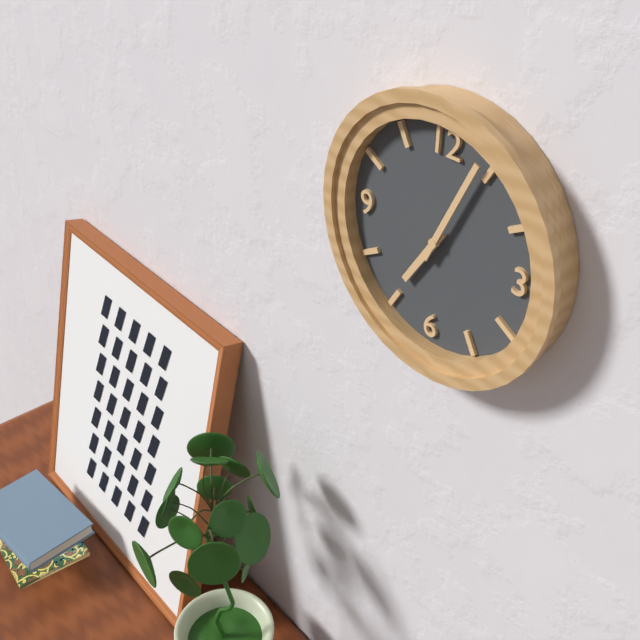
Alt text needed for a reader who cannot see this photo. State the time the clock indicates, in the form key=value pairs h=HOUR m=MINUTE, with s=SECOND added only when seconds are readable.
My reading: h=7 m=4
